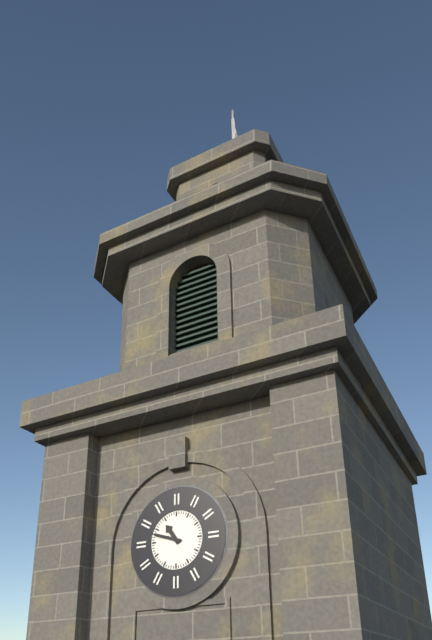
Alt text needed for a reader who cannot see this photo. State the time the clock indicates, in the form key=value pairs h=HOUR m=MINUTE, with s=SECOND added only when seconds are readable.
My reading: h=10 m=48
